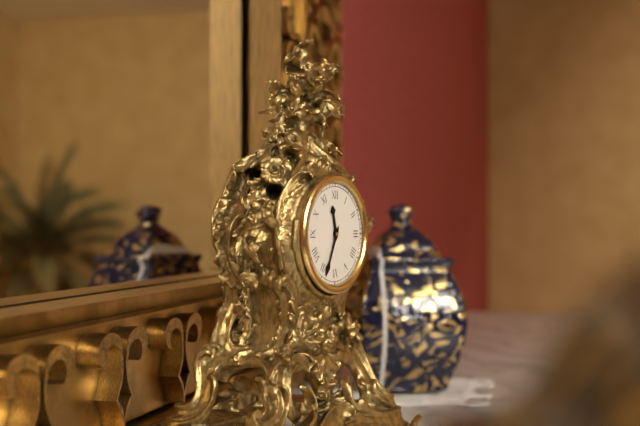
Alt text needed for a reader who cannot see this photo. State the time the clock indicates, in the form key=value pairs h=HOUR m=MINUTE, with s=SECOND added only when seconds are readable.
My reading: h=11 m=34
